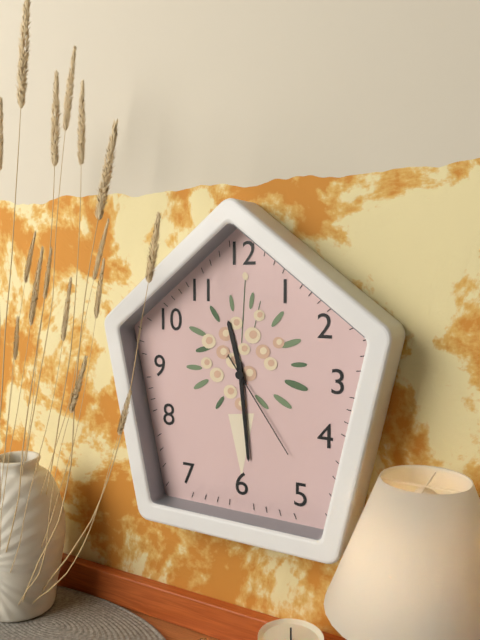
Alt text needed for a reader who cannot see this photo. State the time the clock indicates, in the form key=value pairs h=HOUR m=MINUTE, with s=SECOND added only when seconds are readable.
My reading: h=11 m=29 s=24
